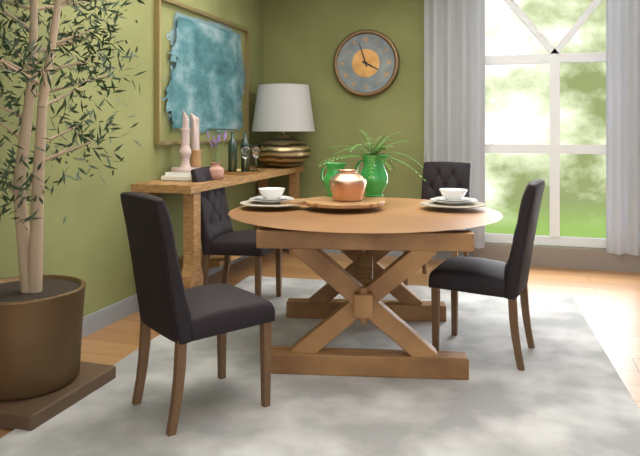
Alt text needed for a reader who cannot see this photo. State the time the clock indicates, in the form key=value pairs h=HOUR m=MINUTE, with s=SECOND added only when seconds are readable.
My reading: h=3 m=57
